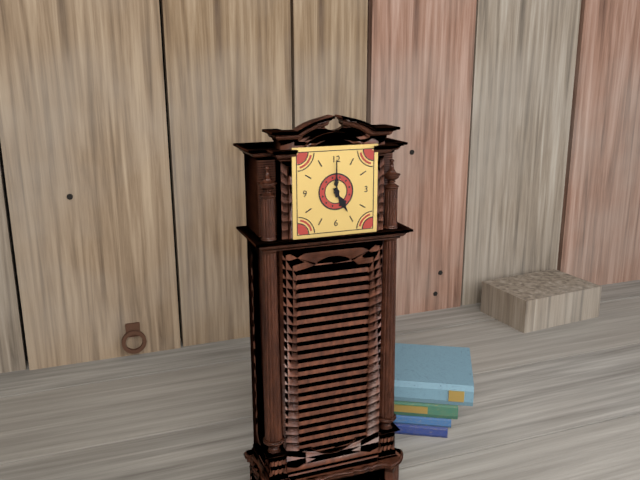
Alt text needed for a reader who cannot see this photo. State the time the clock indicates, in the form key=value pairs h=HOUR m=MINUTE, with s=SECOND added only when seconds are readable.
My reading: h=5 m=0
